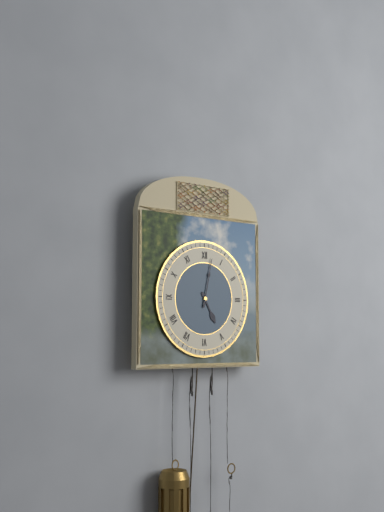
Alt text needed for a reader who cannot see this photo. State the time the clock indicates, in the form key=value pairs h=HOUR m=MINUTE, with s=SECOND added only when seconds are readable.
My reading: h=5 m=2
